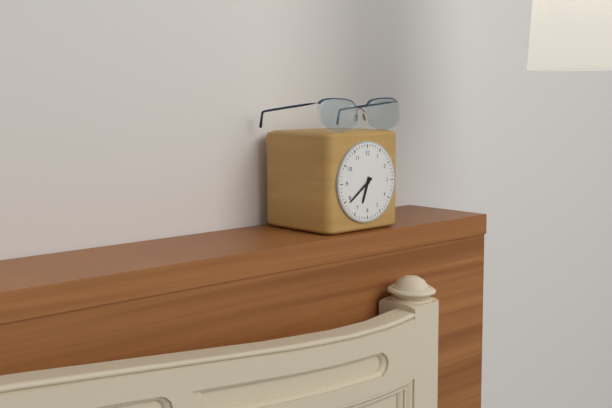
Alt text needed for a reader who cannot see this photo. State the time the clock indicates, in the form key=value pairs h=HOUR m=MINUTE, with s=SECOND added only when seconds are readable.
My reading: h=6 m=39
